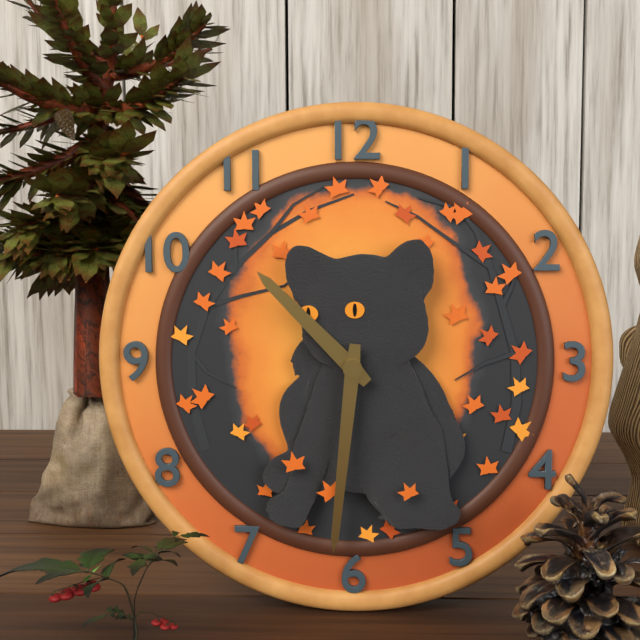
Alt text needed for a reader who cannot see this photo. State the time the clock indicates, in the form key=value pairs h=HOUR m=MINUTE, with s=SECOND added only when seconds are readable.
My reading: h=10 m=31
